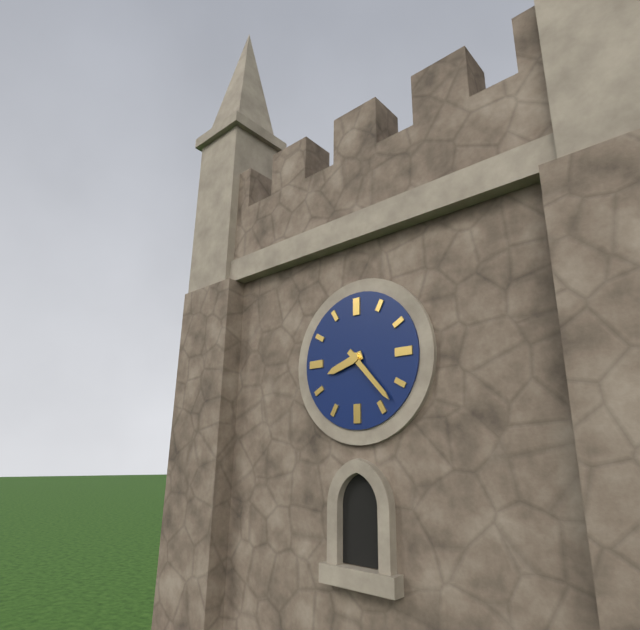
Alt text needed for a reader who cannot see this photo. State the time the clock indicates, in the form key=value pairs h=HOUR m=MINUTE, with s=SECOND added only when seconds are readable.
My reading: h=8 m=23
